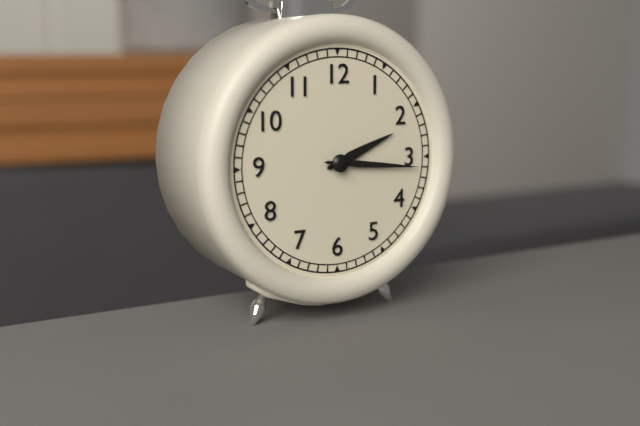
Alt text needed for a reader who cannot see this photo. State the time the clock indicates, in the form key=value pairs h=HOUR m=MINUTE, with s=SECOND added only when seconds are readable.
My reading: h=2 m=16
